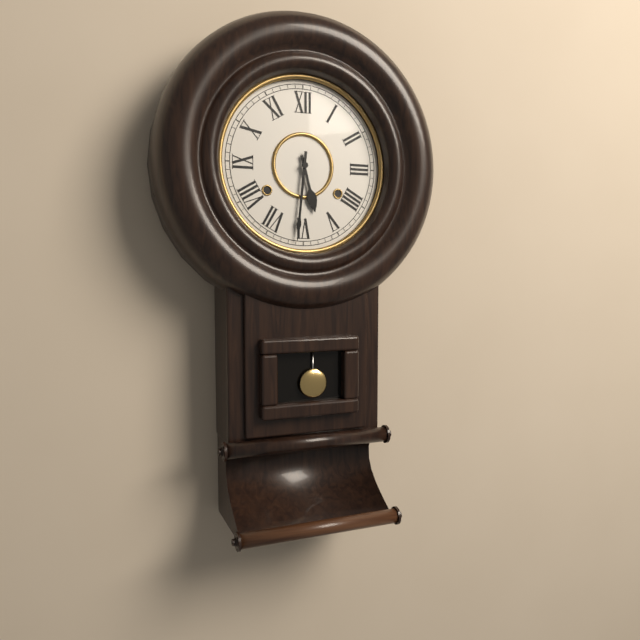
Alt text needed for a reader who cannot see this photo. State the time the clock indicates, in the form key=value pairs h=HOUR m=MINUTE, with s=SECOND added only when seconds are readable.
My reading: h=5 m=31
